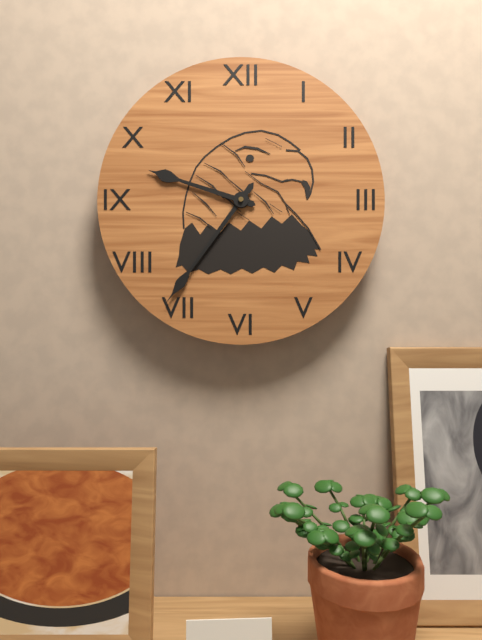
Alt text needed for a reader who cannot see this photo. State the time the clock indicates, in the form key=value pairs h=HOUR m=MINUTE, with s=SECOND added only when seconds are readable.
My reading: h=9 m=36
